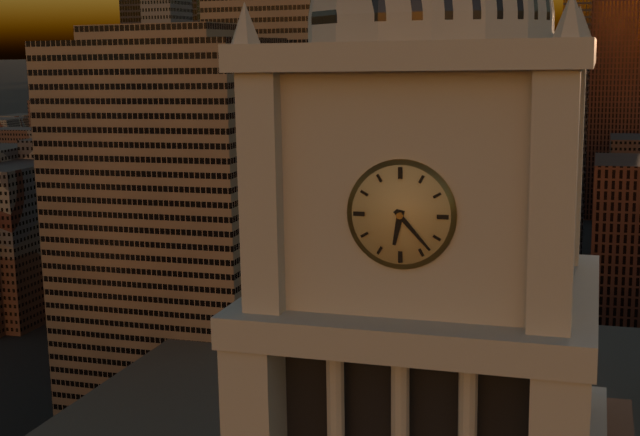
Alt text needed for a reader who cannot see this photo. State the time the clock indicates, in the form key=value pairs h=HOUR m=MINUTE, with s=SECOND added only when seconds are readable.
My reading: h=6 m=23
